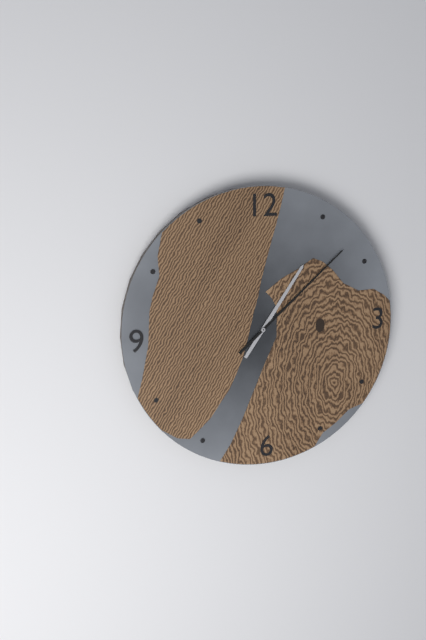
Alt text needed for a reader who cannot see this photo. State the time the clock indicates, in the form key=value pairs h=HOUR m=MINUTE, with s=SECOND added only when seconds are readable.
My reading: h=1 m=8
